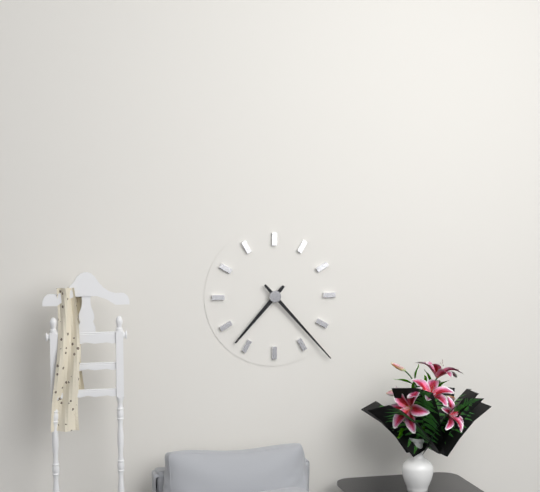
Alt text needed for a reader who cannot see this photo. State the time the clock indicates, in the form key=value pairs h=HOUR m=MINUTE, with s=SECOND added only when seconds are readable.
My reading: h=7 m=23
